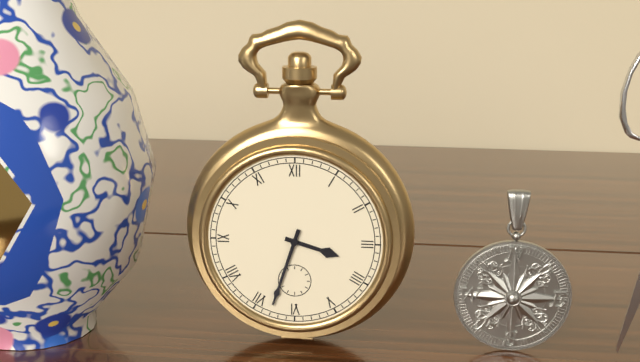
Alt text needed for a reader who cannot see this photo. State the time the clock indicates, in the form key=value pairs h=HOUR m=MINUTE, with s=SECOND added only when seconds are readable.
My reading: h=3 m=33
